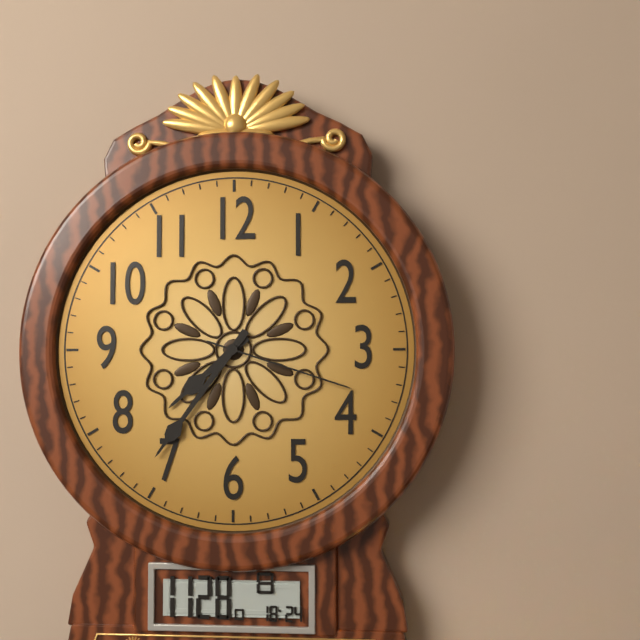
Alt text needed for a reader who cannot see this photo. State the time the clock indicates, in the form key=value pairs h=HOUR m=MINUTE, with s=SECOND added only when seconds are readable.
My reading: h=7 m=36 s=18
